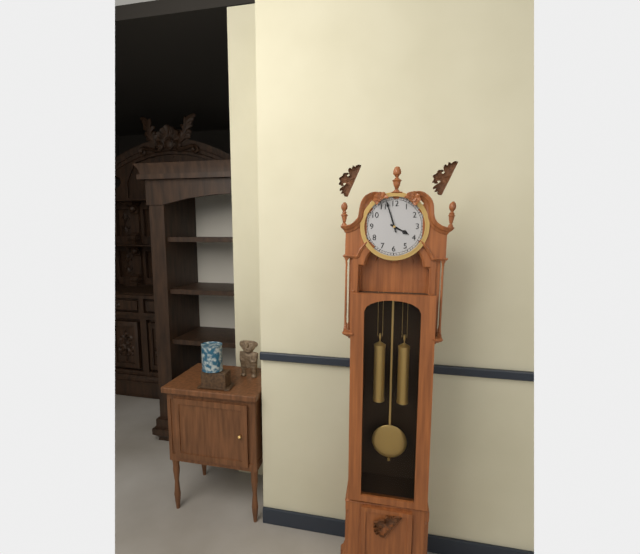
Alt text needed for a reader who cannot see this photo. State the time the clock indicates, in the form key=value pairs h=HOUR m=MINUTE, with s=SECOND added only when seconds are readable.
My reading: h=3 m=57
